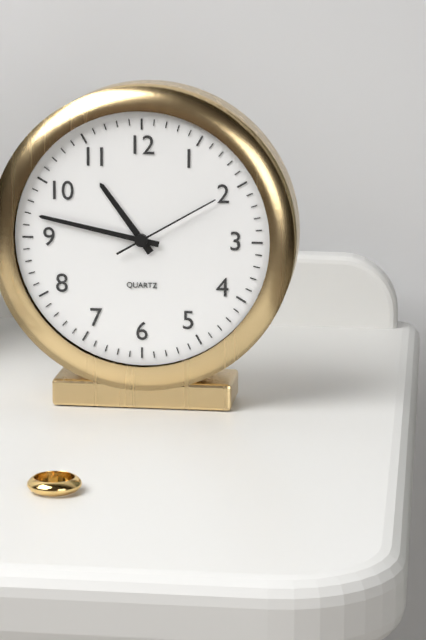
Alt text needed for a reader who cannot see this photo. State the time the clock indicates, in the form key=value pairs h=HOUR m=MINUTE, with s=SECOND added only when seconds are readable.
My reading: h=10 m=47 s=10
